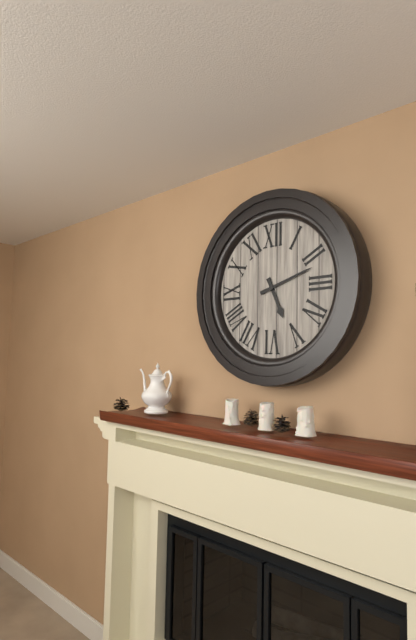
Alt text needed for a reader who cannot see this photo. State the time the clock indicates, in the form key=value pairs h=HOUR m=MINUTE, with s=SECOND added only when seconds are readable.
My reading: h=5 m=12
